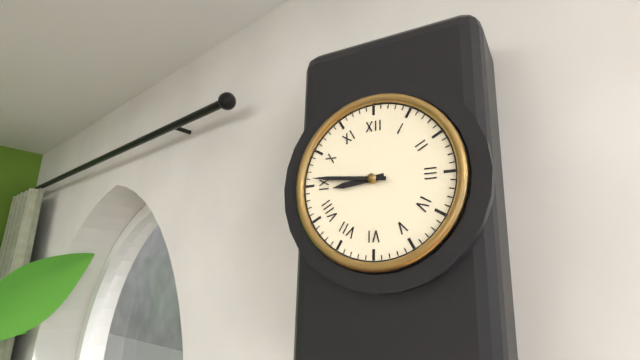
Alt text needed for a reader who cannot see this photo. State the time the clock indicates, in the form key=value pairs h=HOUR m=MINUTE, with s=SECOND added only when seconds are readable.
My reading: h=8 m=46
